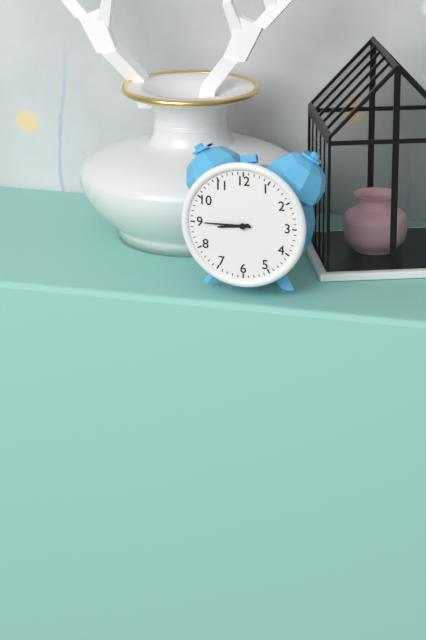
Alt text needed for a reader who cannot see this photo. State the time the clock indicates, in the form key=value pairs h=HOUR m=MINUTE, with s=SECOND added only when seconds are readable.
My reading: h=8 m=45
